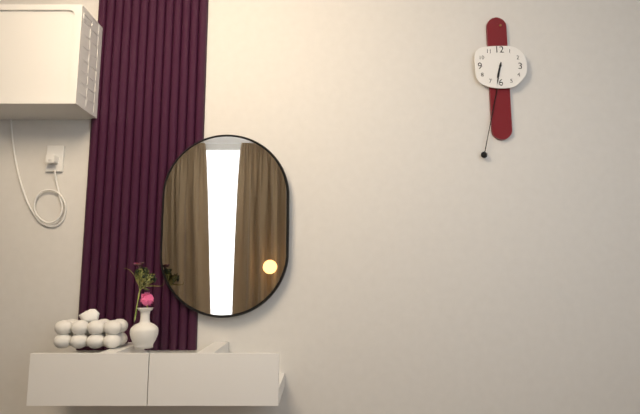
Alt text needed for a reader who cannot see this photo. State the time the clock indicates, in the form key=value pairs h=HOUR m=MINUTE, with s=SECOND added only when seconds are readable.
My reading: h=6 m=32
